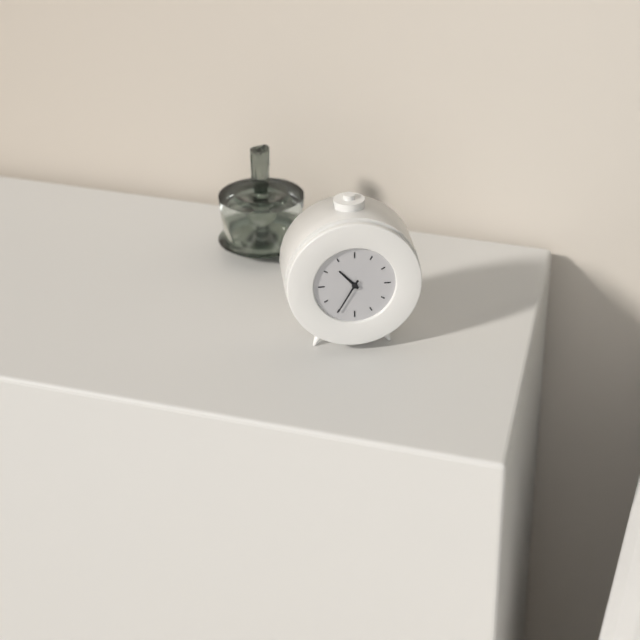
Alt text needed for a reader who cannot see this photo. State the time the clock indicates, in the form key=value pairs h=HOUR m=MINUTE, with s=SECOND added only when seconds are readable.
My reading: h=10 m=35
